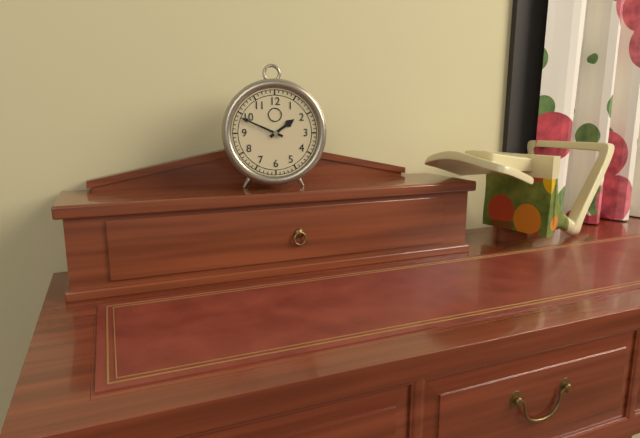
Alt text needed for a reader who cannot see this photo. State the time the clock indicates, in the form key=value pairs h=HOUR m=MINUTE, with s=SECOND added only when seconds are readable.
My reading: h=1 m=49
